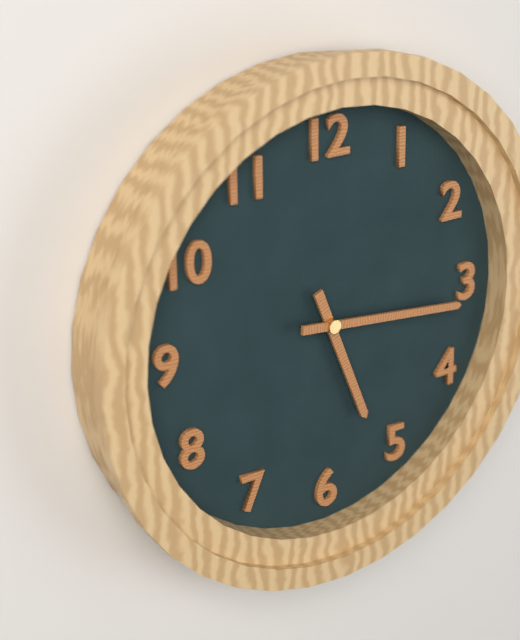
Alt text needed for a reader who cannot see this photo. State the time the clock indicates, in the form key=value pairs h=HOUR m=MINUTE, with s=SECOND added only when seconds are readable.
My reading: h=5 m=16
